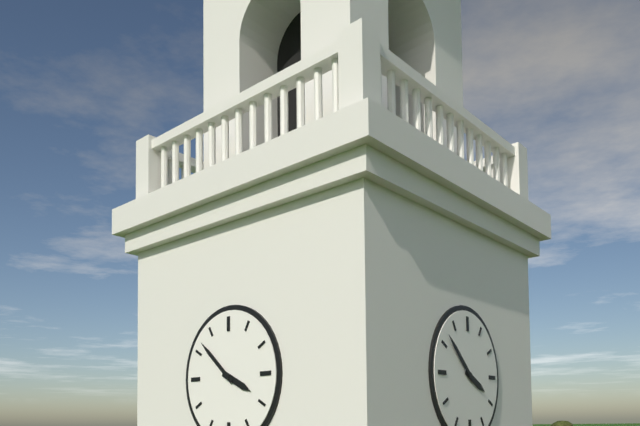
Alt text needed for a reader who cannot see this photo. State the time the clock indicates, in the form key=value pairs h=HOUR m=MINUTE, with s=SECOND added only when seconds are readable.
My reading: h=3 m=52
